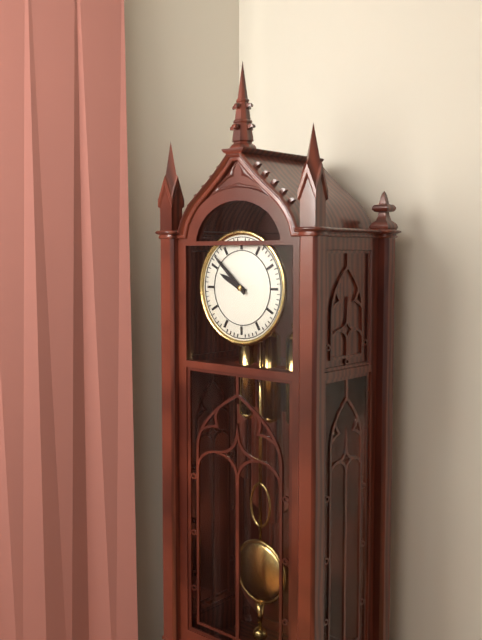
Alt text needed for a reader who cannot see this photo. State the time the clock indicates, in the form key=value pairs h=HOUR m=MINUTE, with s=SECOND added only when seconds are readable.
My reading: h=9 m=52
